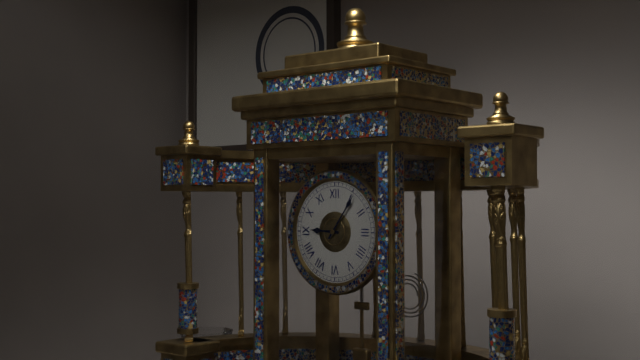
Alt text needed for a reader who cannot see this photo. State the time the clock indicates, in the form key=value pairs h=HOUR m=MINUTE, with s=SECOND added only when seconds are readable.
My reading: h=9 m=6
